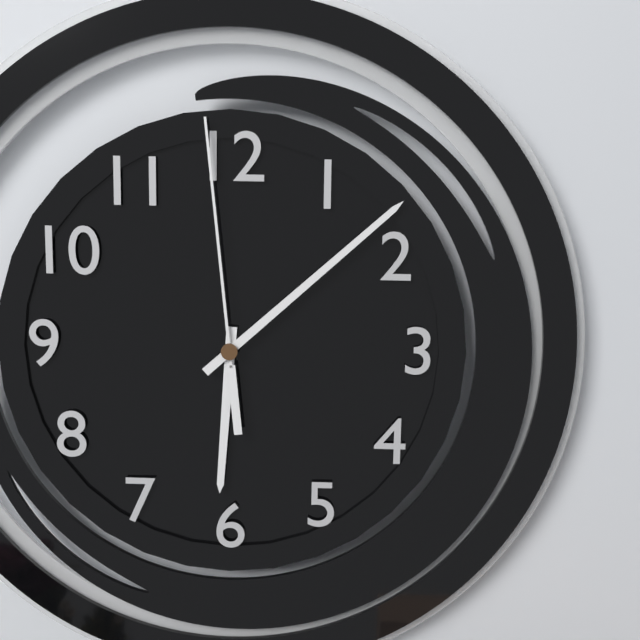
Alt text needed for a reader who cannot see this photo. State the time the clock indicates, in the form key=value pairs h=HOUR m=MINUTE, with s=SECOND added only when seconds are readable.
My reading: h=6 m=8 s=59
